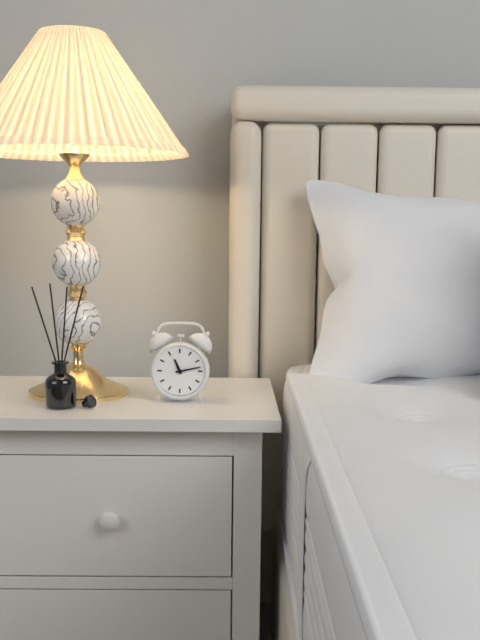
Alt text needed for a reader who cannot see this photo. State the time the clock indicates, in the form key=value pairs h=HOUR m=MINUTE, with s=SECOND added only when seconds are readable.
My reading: h=11 m=13
